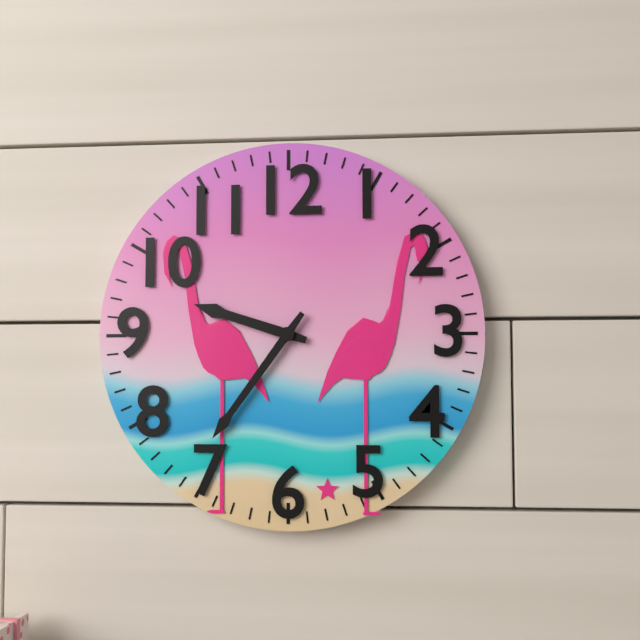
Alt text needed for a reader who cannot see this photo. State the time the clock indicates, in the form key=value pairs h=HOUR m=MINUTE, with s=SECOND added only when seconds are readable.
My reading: h=9 m=36
